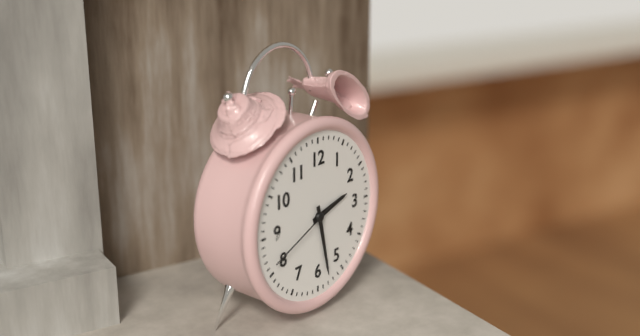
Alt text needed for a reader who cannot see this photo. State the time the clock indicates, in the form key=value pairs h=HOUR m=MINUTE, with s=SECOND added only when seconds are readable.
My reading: h=2 m=28 s=41
